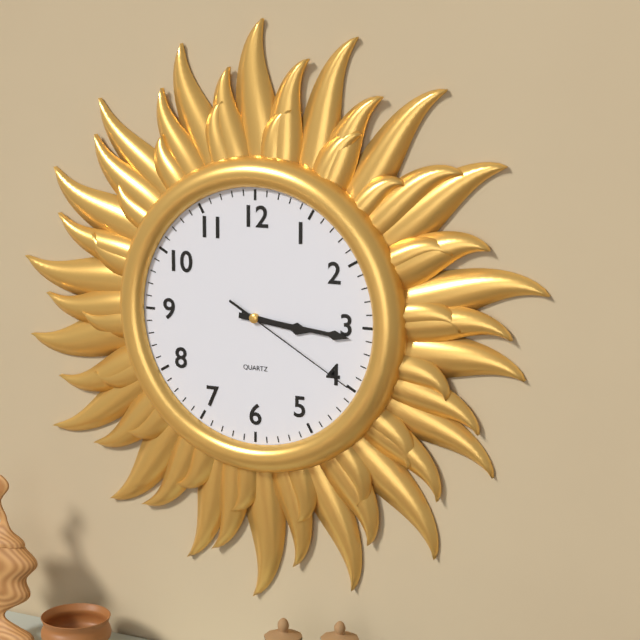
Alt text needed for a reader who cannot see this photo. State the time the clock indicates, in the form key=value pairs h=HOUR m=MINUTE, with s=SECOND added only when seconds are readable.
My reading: h=3 m=16 s=20
